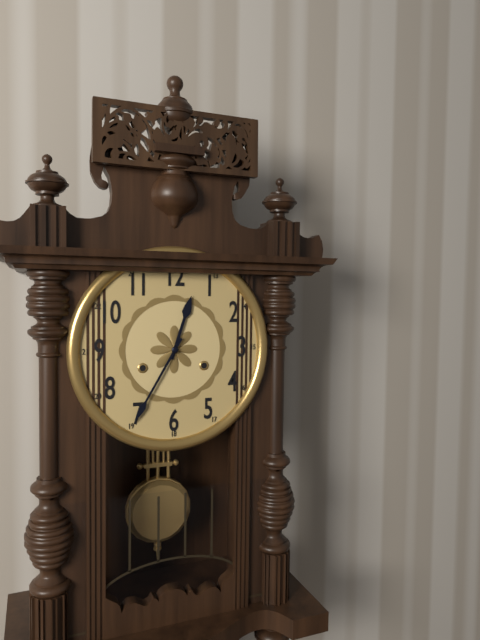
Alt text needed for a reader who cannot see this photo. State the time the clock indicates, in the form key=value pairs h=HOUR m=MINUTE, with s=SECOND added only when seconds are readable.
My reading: h=12 m=35
